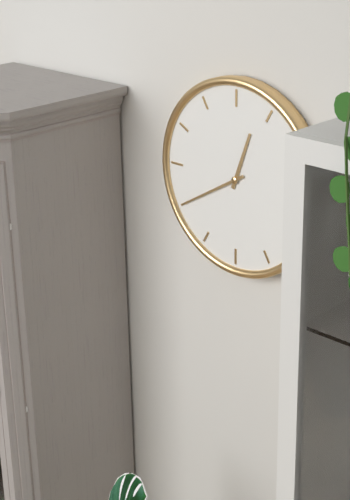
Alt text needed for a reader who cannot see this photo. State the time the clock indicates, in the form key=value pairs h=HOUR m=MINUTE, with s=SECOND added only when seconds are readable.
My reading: h=12 m=40
